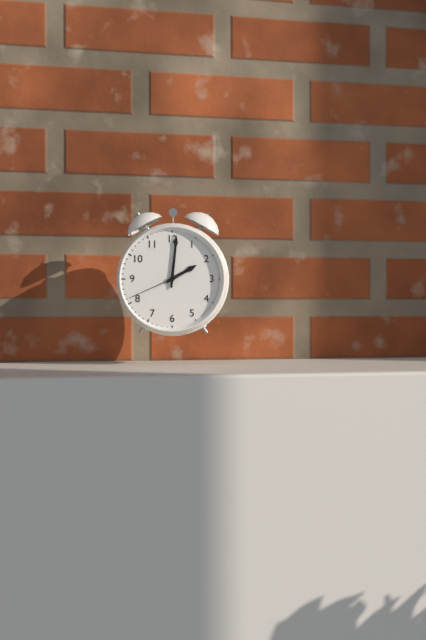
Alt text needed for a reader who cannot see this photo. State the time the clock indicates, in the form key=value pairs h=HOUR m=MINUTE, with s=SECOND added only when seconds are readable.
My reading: h=2 m=1 s=41
